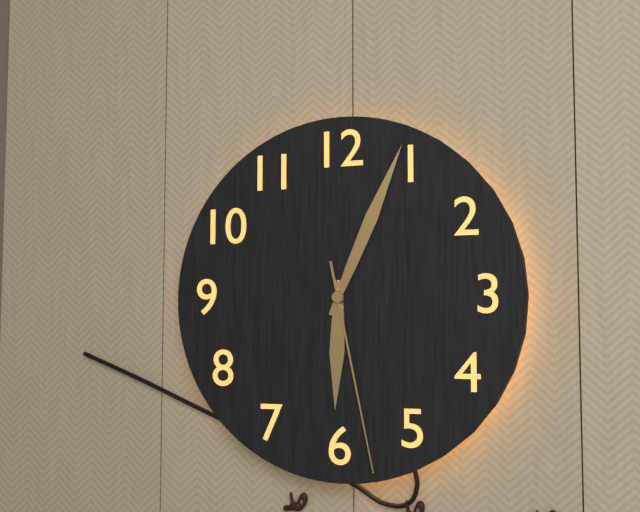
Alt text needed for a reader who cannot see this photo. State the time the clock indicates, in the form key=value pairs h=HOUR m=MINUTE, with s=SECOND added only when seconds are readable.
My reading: h=6 m=4 s=28
